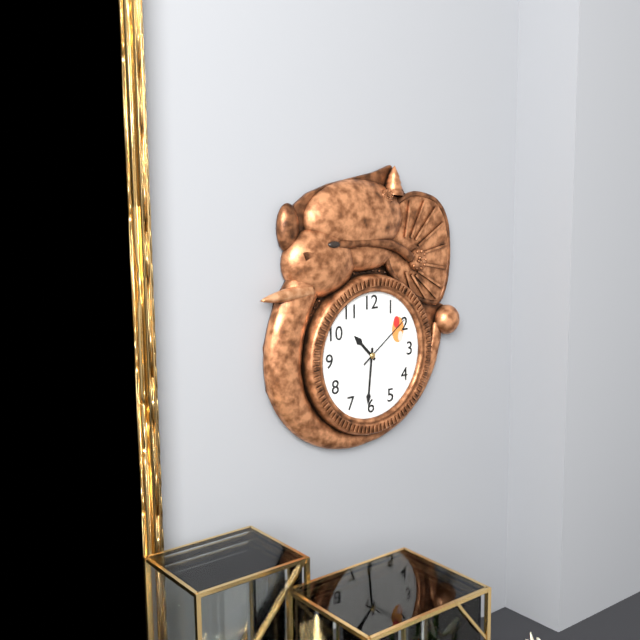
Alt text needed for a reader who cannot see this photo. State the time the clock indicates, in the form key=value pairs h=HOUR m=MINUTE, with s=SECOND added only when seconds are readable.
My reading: h=10 m=31 s=9
